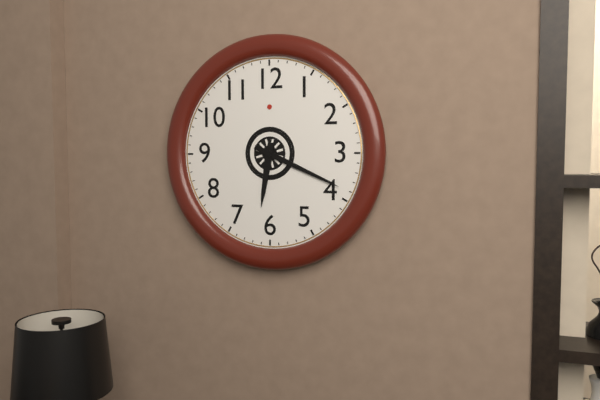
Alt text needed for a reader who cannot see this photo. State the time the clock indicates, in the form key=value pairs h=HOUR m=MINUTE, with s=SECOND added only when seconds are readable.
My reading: h=6 m=19
